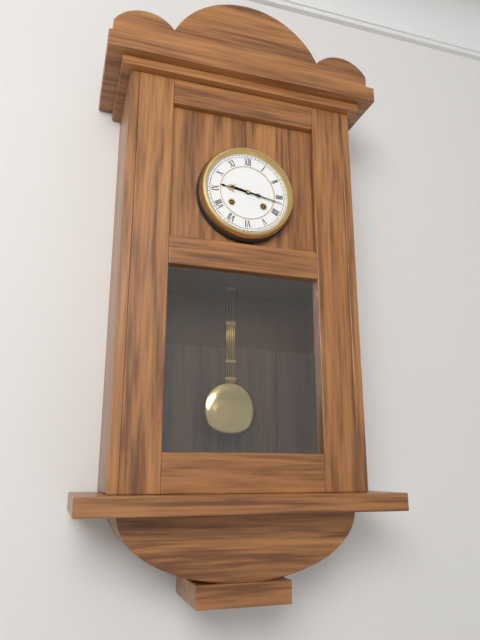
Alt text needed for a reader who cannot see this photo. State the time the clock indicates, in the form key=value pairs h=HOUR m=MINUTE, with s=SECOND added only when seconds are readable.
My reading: h=9 m=17
